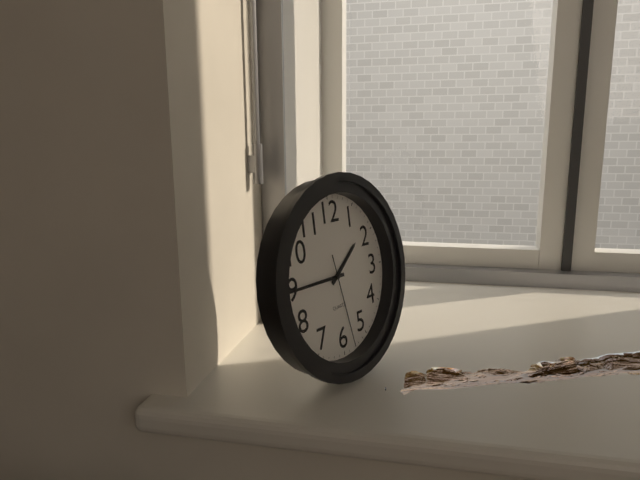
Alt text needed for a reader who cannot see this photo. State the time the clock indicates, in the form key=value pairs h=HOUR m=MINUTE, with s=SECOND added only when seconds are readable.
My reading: h=1 m=45 s=28
